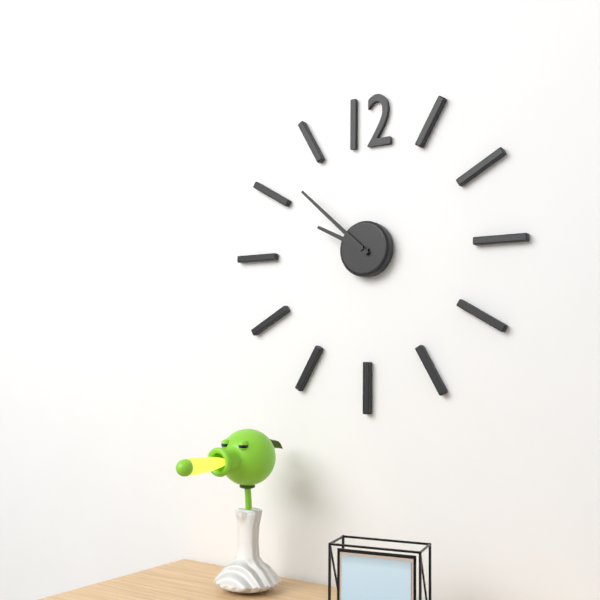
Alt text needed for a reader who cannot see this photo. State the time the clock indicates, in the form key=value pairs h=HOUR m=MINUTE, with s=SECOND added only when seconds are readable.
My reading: h=9 m=52
